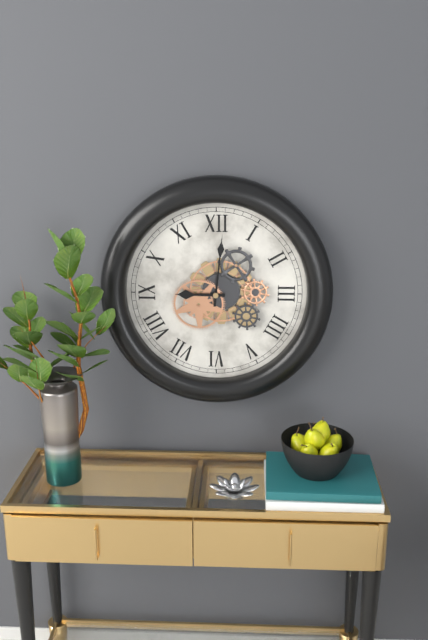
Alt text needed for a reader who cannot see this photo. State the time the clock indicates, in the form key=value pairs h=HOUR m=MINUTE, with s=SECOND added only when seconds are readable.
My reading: h=9 m=1
